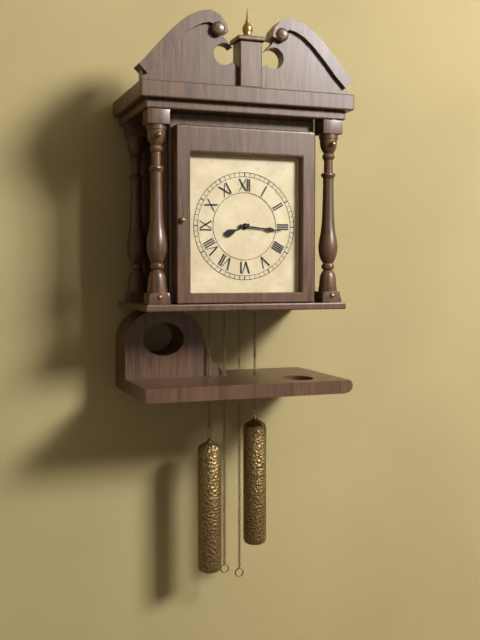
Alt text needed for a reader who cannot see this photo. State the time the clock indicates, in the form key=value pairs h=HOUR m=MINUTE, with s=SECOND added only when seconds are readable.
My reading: h=8 m=16
